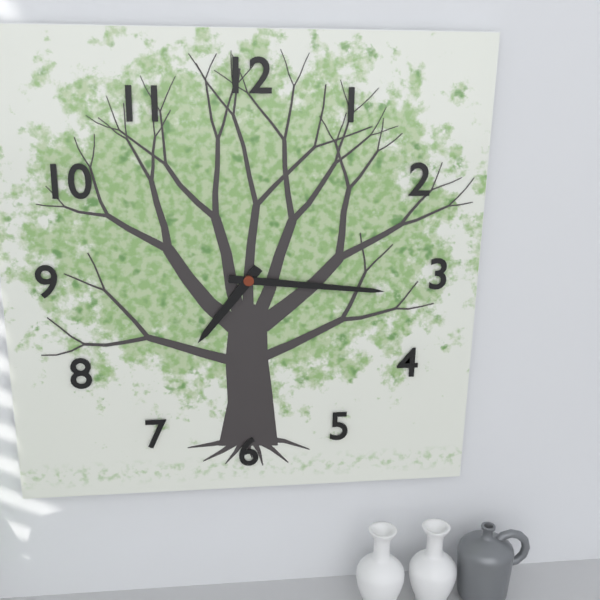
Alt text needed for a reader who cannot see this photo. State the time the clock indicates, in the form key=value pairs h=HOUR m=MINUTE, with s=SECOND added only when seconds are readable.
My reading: h=7 m=16
